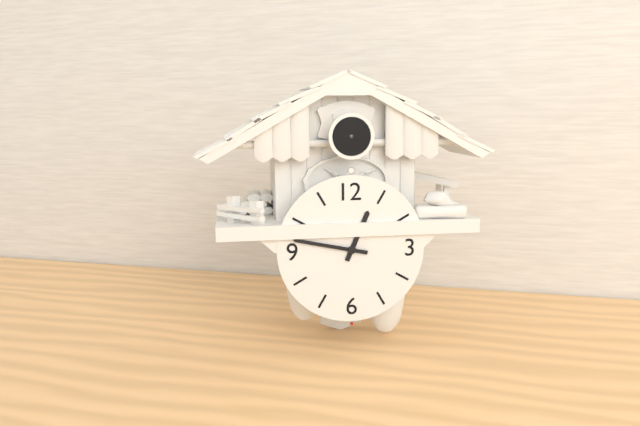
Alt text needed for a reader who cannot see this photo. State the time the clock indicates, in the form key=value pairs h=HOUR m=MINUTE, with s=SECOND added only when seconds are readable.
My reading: h=12 m=47
